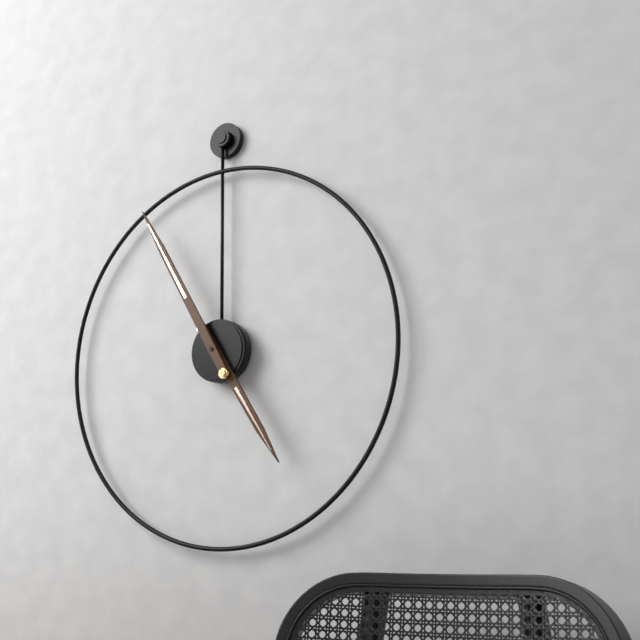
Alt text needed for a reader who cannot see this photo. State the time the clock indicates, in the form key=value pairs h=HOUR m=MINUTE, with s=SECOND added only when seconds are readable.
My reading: h=4 m=55
